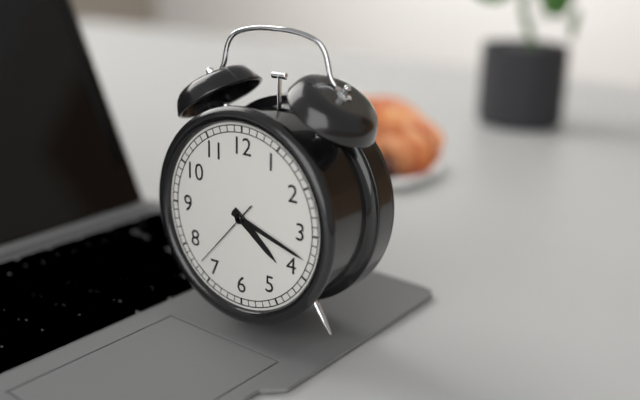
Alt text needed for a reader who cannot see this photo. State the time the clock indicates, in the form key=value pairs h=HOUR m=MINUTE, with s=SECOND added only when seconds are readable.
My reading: h=4 m=18 s=37
